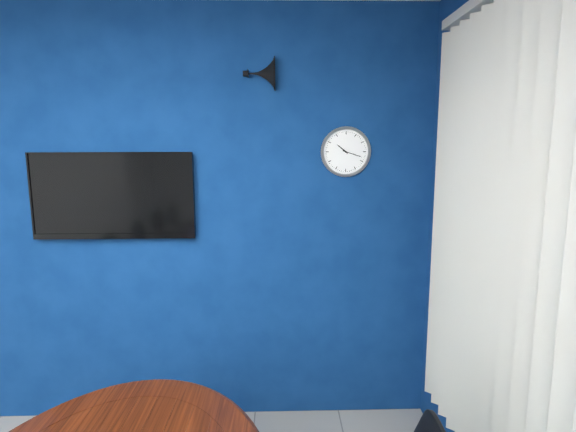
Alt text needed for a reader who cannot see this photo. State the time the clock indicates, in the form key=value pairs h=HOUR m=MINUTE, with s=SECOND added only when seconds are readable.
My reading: h=10 m=18
